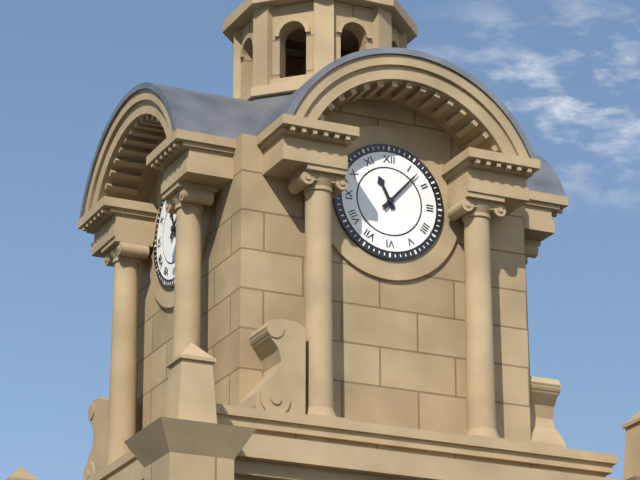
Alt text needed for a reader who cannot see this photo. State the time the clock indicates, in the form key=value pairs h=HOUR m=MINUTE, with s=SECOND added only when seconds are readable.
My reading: h=11 m=7
